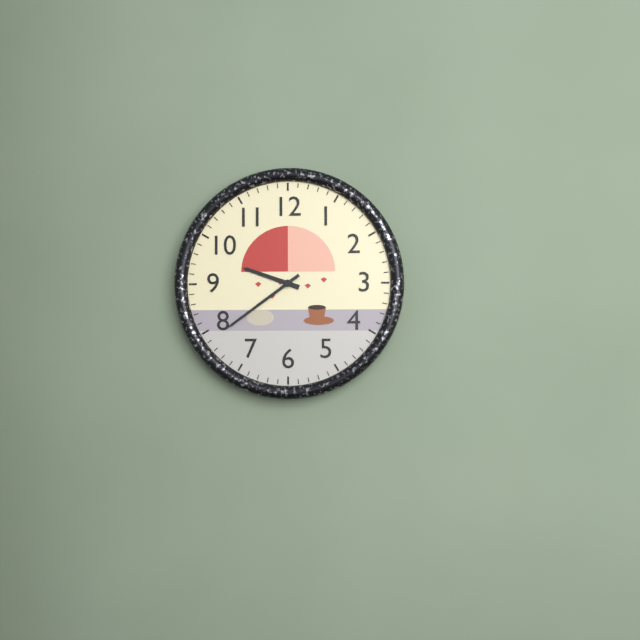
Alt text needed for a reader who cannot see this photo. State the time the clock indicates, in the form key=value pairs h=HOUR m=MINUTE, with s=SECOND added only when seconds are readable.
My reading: h=9 m=39
